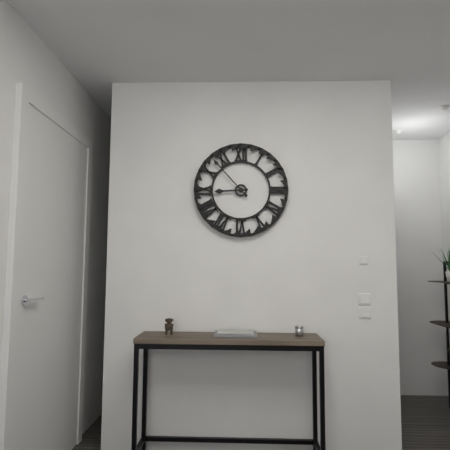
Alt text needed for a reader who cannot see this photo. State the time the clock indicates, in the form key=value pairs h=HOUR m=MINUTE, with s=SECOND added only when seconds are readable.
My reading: h=8 m=53
